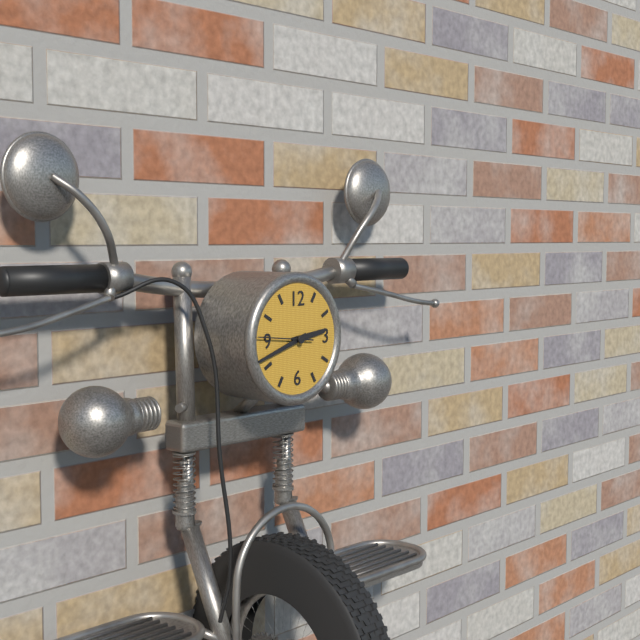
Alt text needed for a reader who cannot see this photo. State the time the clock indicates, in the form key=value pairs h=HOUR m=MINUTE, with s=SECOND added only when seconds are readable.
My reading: h=2 m=42 s=46
